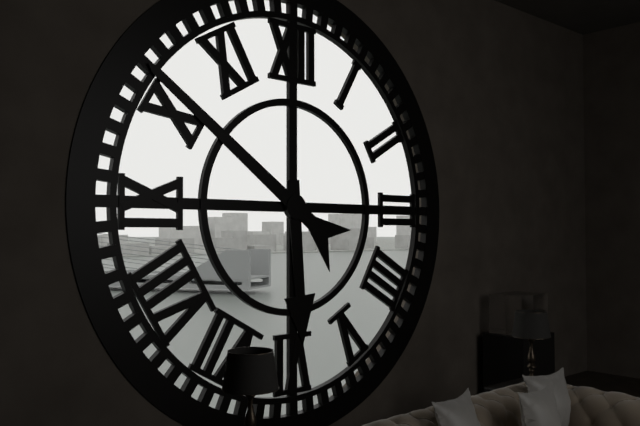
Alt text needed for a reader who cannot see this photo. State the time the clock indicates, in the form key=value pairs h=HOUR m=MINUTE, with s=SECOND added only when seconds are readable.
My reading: h=5 m=51
